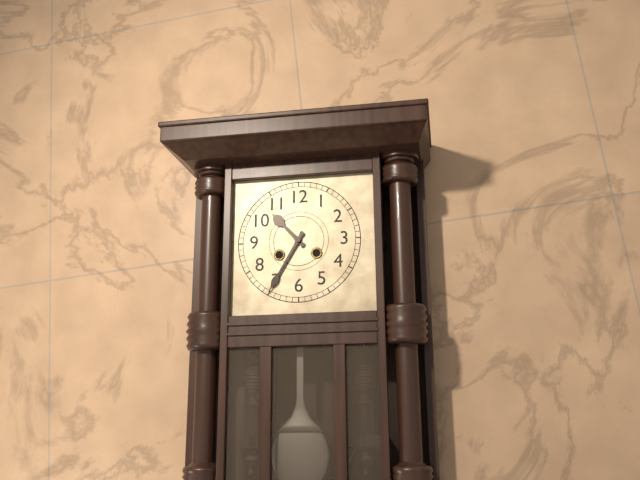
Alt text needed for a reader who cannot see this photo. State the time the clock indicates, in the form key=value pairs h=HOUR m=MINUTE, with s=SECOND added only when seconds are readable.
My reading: h=10 m=35
